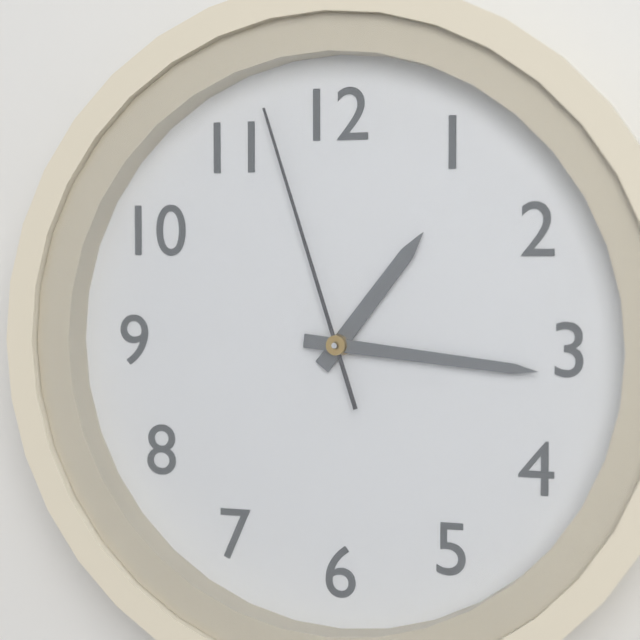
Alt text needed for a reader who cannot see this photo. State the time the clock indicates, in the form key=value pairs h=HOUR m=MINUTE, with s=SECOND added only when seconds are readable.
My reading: h=1 m=16 s=57
